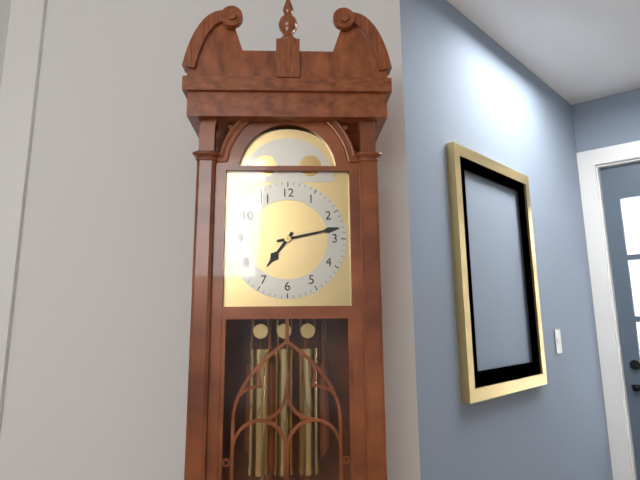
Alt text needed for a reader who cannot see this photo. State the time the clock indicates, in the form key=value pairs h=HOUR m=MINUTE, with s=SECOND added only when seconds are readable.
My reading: h=7 m=13
